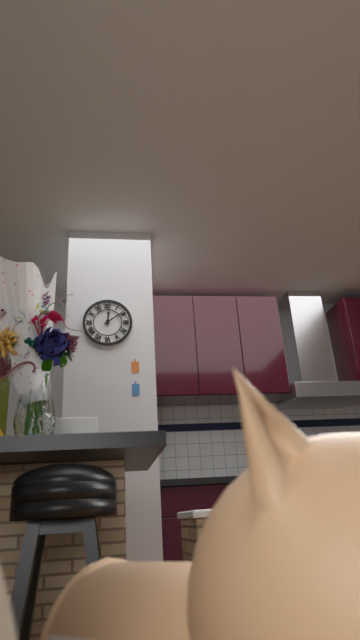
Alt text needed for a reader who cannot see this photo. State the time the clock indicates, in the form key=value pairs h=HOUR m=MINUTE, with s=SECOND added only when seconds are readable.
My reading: h=12 m=9
